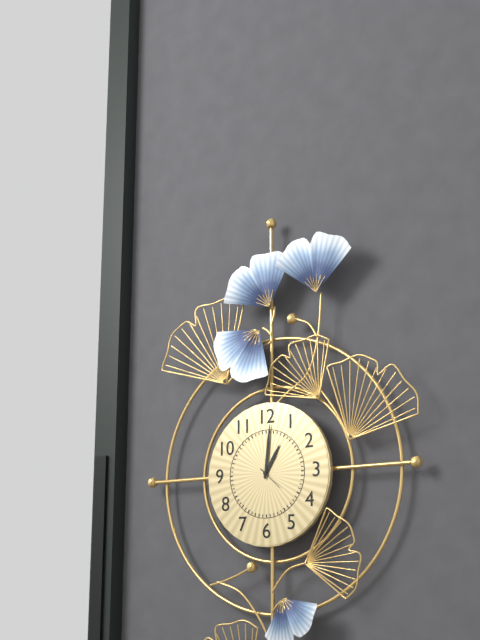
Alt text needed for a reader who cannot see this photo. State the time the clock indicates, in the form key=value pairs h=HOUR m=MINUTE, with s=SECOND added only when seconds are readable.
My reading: h=1 m=1
